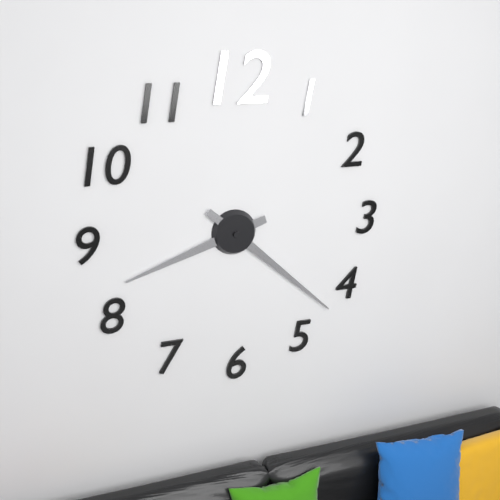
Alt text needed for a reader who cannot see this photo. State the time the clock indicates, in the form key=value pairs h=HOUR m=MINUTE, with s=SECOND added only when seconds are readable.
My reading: h=8 m=22
